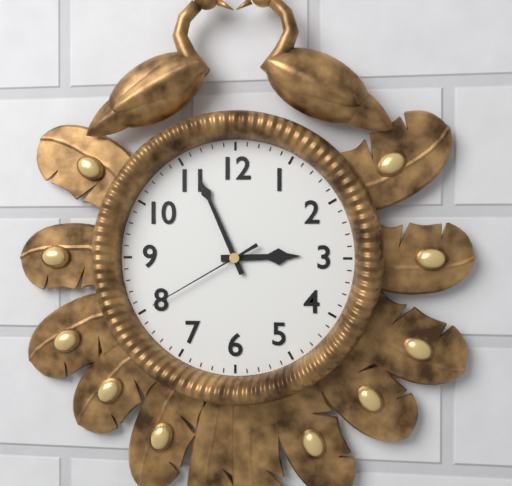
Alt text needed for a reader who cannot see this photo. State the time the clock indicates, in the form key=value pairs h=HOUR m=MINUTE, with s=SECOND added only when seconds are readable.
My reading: h=2 m=56 s=40
